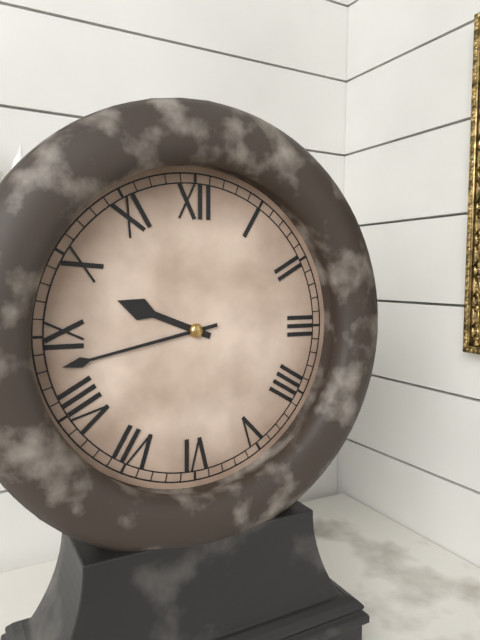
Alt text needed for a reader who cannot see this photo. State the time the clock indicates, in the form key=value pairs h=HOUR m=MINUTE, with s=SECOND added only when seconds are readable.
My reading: h=9 m=43
